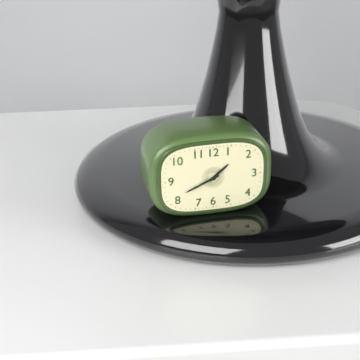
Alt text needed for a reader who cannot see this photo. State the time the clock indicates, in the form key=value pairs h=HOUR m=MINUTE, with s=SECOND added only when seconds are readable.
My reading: h=1 m=41
